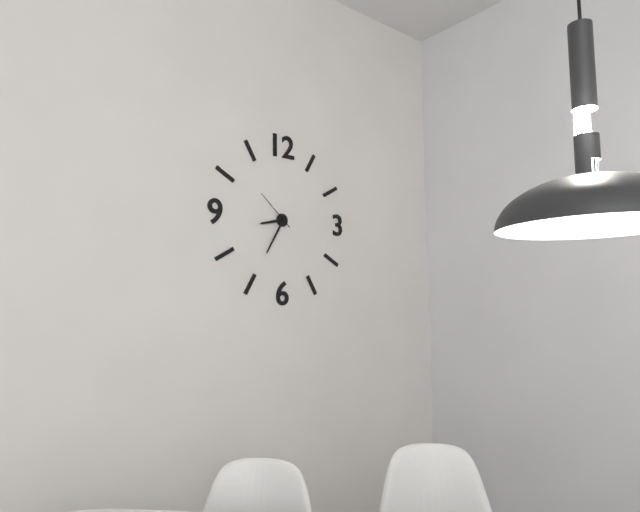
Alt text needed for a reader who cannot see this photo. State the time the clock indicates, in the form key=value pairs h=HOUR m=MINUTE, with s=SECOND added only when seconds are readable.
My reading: h=8 m=35
